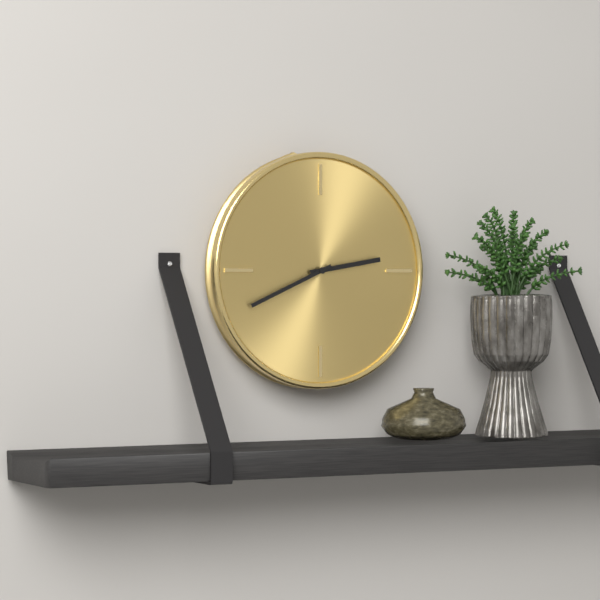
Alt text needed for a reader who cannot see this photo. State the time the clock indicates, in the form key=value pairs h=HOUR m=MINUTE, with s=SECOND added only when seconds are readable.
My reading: h=2 m=41
